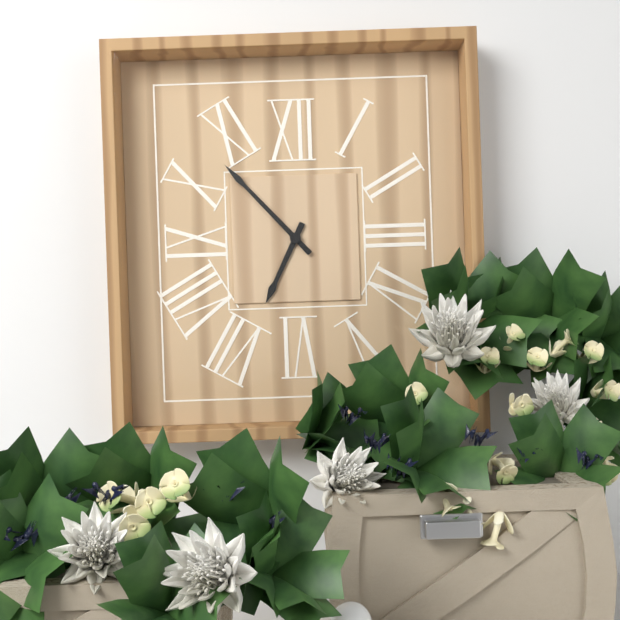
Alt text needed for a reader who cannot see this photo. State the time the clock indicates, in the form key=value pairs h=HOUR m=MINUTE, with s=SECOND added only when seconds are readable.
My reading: h=6 m=53
